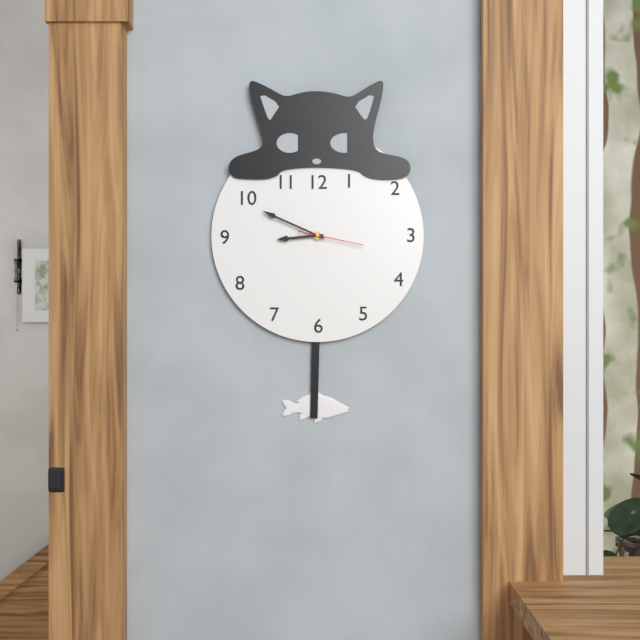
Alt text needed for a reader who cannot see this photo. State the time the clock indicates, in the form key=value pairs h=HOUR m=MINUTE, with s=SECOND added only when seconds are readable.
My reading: h=8 m=49 s=17
